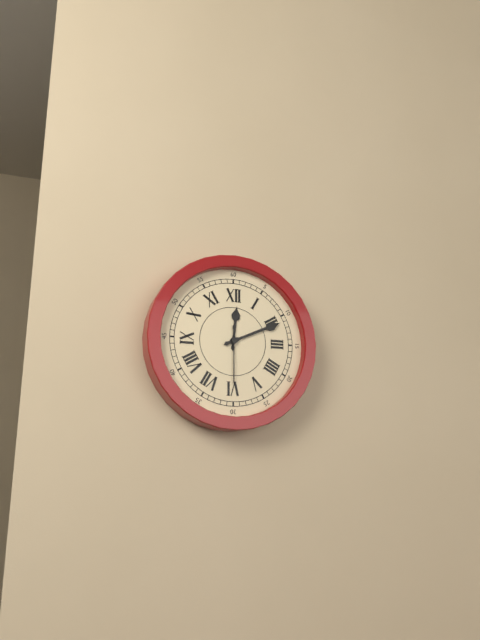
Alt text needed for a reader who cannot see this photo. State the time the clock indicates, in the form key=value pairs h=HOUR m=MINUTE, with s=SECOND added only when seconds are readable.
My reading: h=12 m=11 s=30
